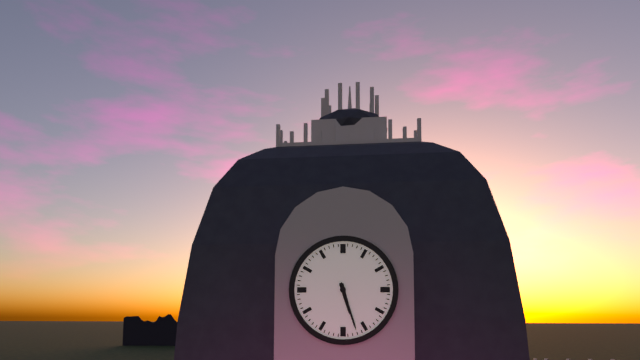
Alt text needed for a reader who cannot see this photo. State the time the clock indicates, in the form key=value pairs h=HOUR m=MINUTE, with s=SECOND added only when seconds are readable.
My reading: h=5 m=27
